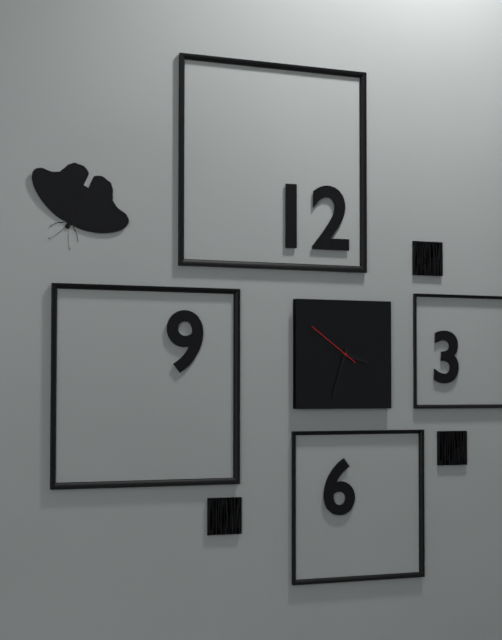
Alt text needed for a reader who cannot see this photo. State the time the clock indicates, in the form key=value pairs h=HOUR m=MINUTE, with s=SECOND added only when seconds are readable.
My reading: h=3 m=33 s=51
